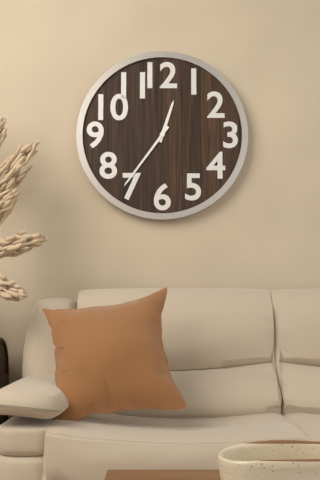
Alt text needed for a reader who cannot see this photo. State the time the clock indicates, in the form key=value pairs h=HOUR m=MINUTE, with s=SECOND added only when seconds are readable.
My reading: h=12 m=36
